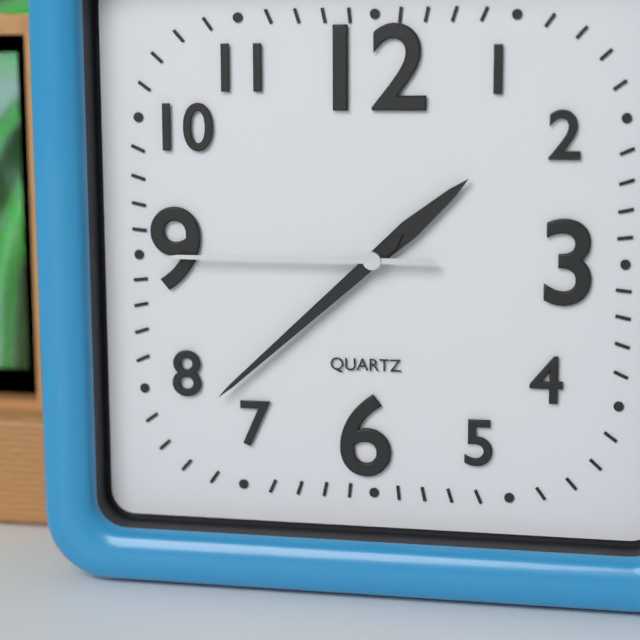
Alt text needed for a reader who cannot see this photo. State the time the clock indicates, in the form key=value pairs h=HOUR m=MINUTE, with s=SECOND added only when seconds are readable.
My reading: h=1 m=38 s=45
